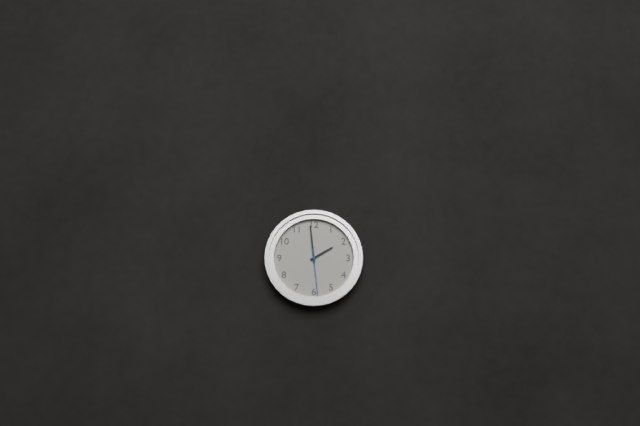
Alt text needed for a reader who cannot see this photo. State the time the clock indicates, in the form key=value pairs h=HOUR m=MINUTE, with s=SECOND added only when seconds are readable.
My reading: h=1 m=59
